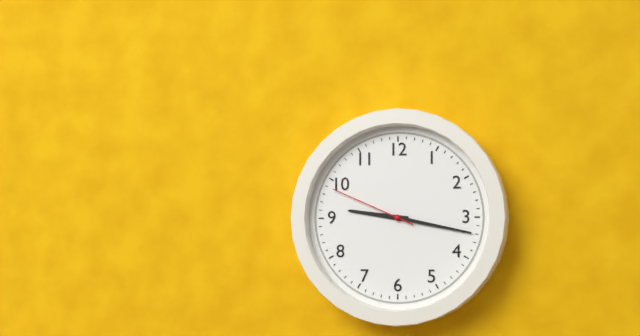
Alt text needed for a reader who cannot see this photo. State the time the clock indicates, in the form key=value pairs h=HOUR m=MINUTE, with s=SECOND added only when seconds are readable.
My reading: h=9 m=17 s=49
